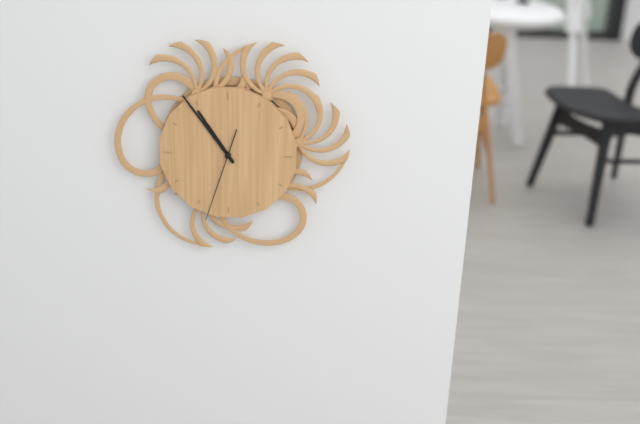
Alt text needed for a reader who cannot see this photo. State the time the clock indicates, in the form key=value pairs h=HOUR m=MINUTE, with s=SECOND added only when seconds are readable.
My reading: h=10 m=54 s=33
